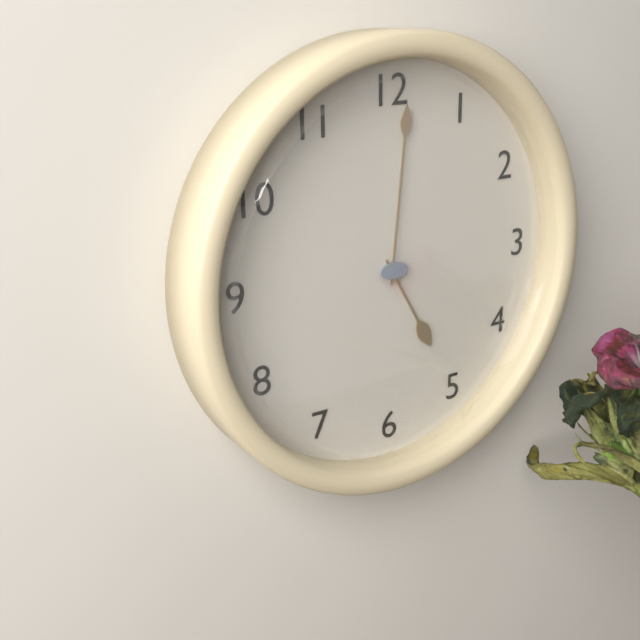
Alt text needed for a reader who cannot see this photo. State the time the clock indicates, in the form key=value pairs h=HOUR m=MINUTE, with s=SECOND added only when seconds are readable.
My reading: h=5 m=1
